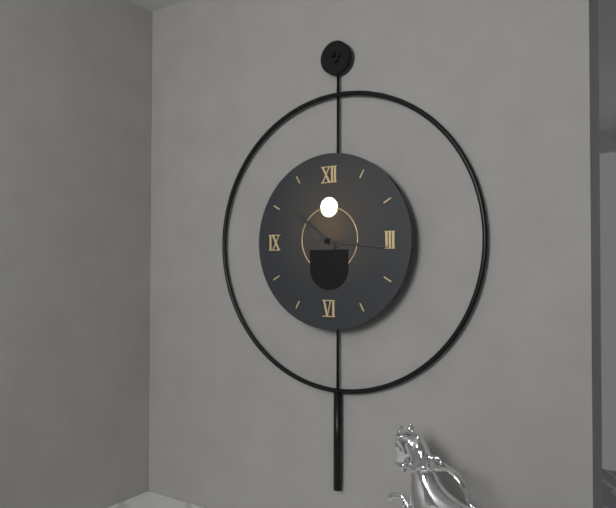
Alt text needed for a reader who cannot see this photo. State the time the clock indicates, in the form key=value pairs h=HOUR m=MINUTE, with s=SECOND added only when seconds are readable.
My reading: h=10 m=16
